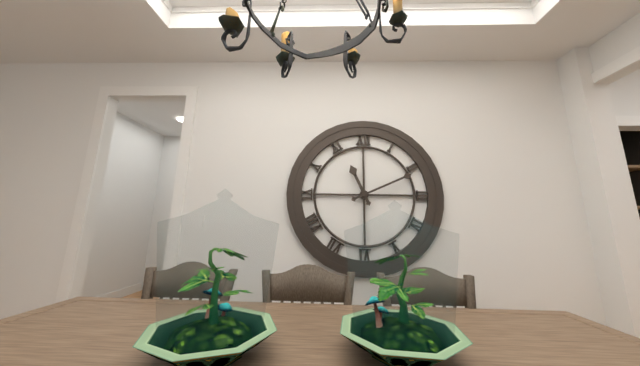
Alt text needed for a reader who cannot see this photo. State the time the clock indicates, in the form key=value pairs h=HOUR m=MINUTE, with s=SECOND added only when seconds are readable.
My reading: h=11 m=11
